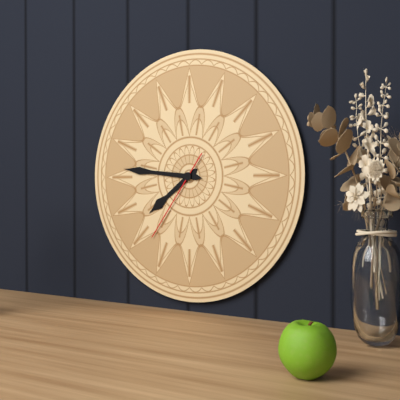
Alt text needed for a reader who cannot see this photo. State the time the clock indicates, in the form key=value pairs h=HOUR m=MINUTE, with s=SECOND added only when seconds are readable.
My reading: h=7 m=46 s=36
